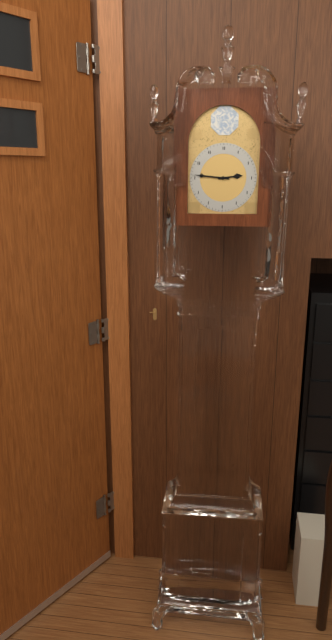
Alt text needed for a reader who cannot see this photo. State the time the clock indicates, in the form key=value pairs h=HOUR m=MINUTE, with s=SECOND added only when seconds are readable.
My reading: h=2 m=46
